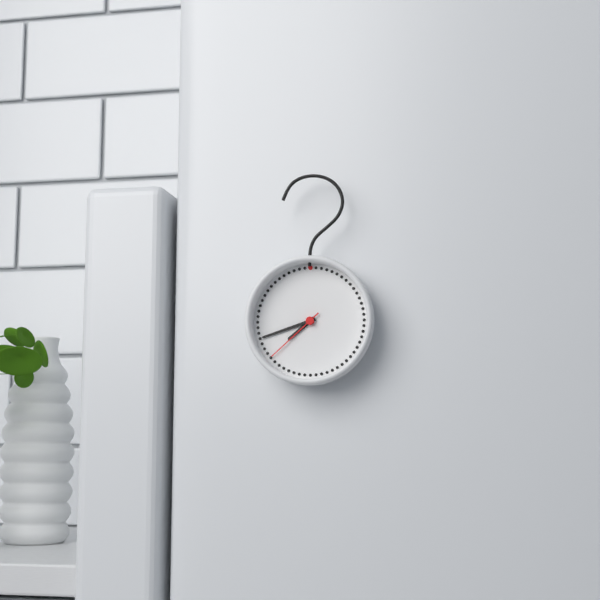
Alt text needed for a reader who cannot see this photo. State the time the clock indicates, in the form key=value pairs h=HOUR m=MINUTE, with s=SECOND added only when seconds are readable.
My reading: h=7 m=42 s=38
